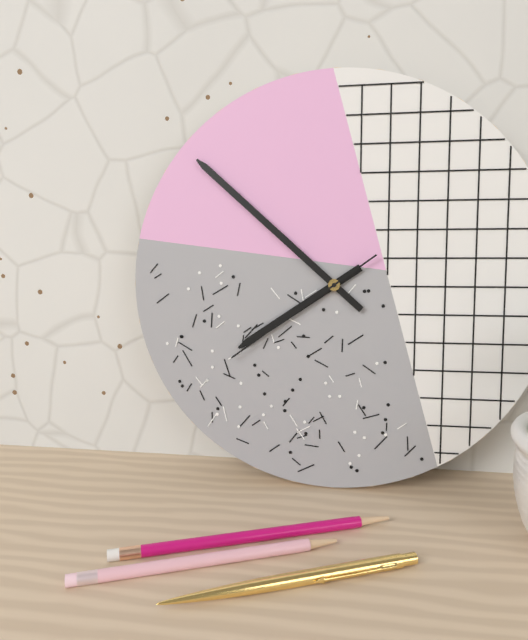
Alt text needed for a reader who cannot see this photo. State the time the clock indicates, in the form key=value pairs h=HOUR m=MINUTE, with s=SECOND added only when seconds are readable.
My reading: h=7 m=52 s=39
